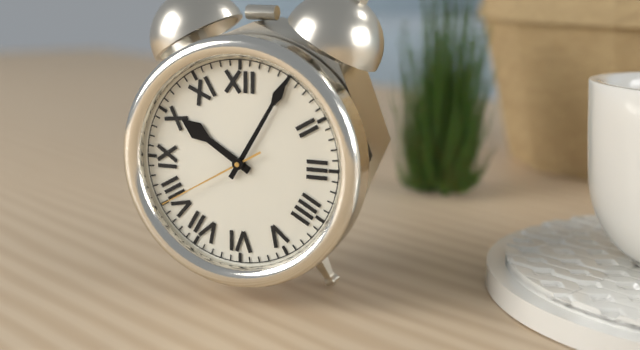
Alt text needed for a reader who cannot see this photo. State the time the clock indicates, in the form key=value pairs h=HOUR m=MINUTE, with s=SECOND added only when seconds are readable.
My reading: h=10 m=5 s=40
